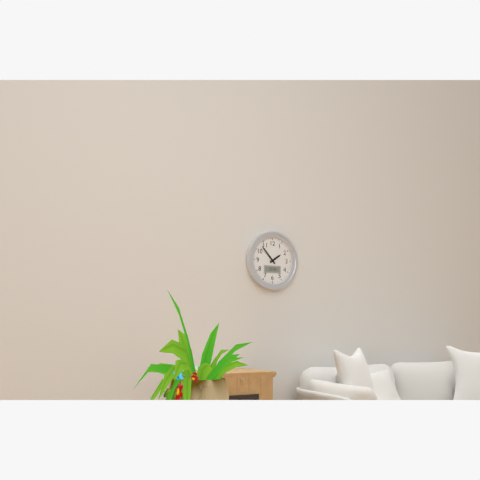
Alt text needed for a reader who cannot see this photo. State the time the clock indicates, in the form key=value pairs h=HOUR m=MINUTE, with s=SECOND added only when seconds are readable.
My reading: h=1 m=53
